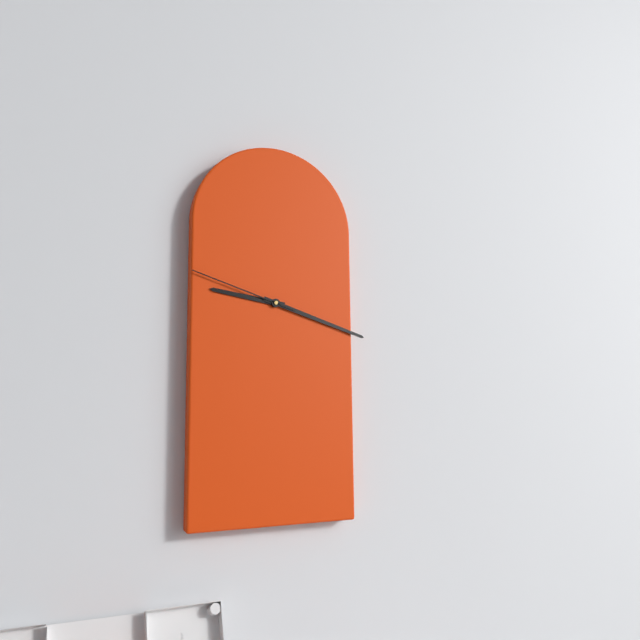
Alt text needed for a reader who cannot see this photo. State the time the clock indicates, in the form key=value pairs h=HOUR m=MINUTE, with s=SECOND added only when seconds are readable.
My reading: h=9 m=18 s=48
